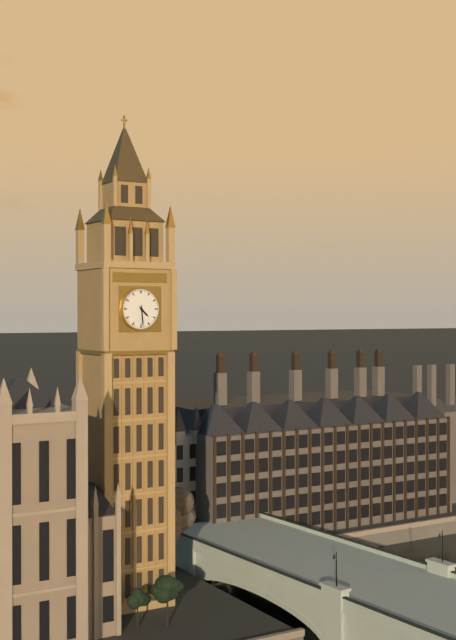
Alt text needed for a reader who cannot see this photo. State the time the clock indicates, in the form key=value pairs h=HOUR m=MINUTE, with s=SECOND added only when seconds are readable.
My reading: h=4 m=29
